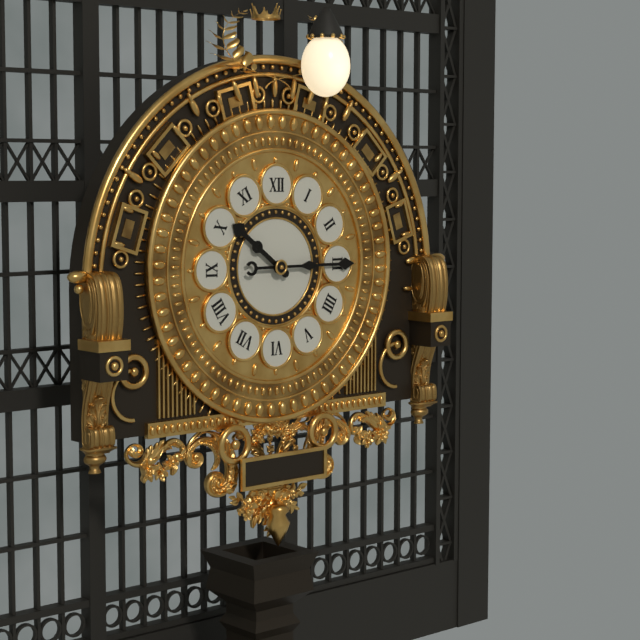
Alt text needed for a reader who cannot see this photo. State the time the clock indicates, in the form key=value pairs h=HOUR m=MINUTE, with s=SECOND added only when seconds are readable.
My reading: h=10 m=15
